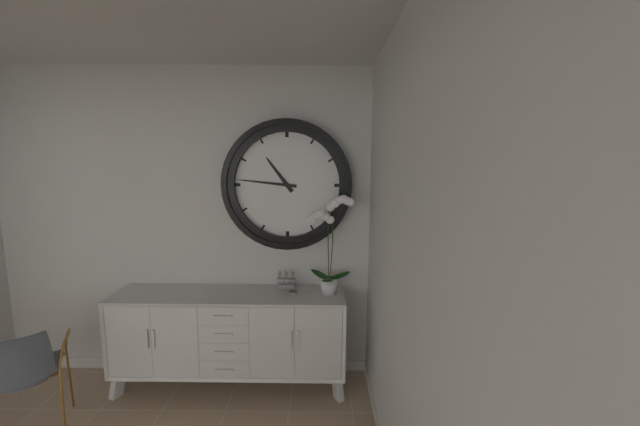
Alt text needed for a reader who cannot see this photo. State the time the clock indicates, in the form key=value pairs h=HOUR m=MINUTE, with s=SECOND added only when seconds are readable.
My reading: h=10 m=46
